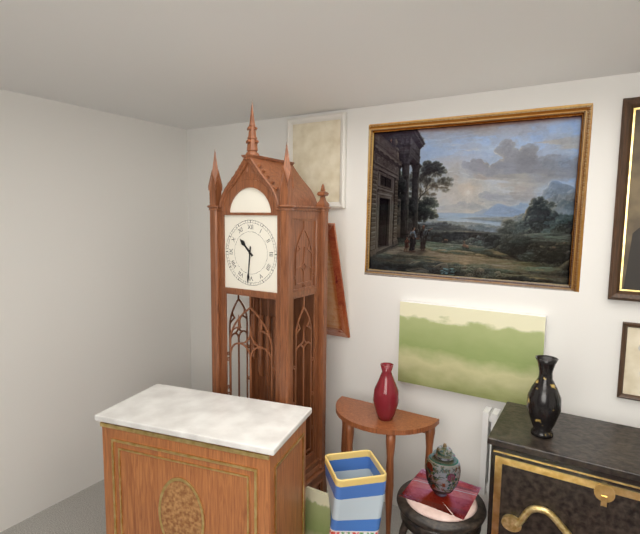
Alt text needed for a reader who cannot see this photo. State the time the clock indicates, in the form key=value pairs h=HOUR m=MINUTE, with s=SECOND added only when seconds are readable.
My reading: h=10 m=31
